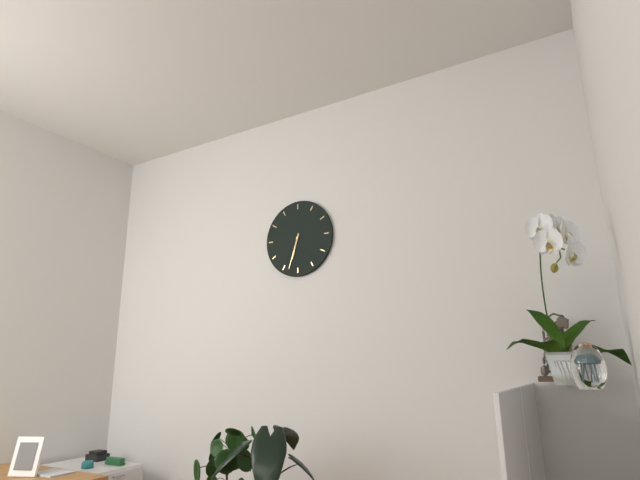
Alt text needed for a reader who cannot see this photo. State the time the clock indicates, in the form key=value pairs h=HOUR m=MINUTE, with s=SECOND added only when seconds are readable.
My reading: h=6 m=33
